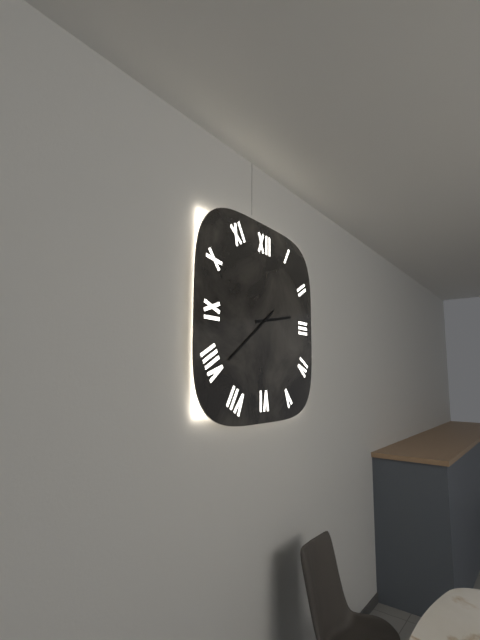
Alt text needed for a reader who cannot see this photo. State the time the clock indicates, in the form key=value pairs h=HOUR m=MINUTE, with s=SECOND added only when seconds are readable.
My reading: h=2 m=39
